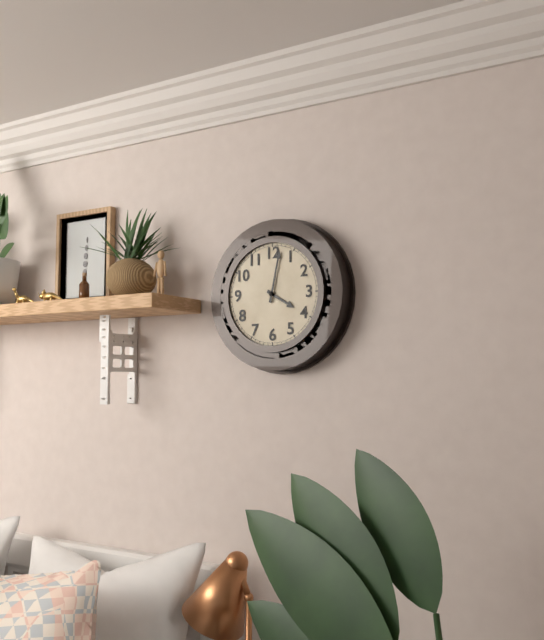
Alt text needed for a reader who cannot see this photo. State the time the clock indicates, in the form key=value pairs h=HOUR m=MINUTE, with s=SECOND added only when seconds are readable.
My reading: h=4 m=2
